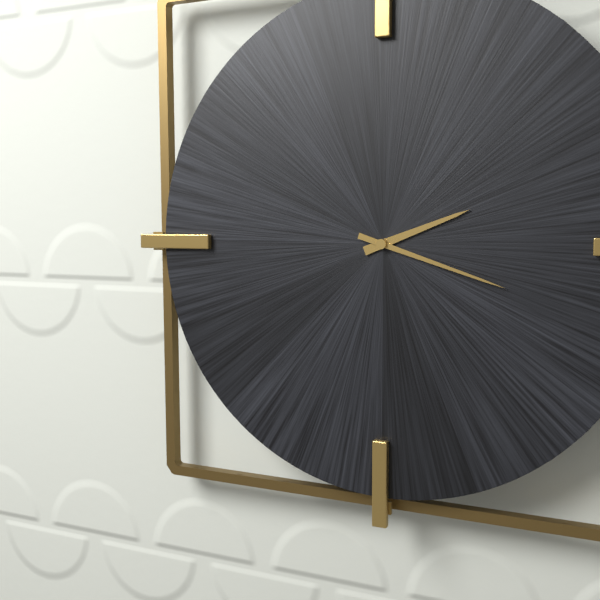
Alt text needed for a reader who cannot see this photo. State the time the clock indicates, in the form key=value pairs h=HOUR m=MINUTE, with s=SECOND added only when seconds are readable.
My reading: h=2 m=18
